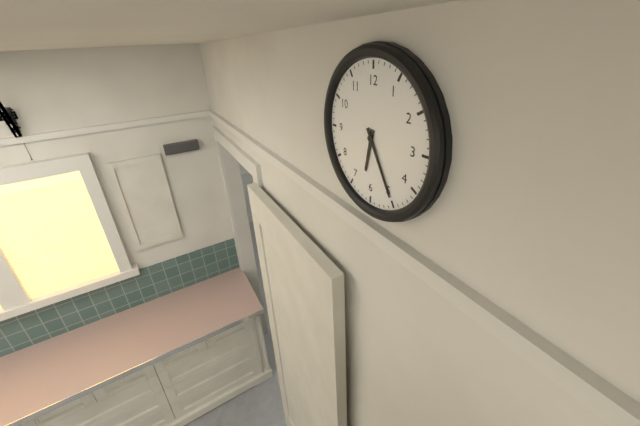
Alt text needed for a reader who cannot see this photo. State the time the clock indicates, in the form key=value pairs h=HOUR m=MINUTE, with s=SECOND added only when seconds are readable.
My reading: h=6 m=25
